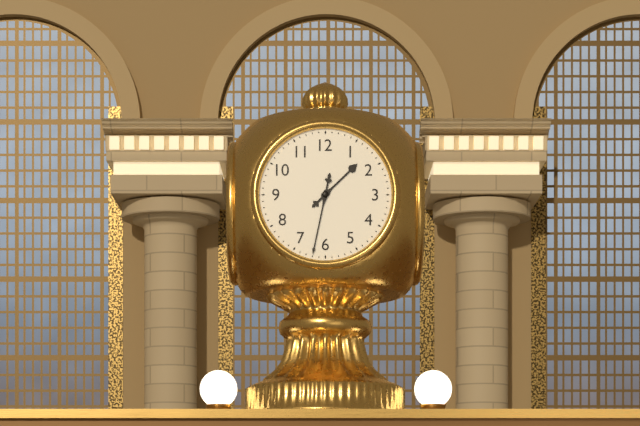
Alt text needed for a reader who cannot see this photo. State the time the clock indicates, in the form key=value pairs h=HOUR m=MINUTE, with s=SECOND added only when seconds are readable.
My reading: h=1 m=32
